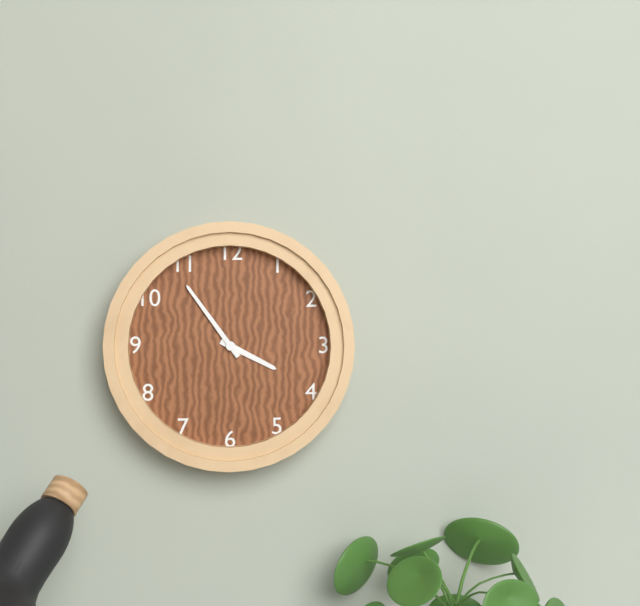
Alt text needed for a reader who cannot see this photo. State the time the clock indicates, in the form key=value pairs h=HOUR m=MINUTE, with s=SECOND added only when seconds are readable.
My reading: h=3 m=54
